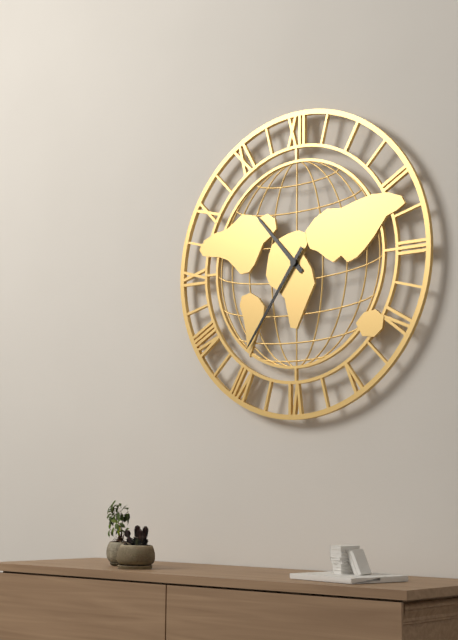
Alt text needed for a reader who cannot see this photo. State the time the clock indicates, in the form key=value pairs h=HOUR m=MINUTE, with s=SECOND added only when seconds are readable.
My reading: h=10 m=36
